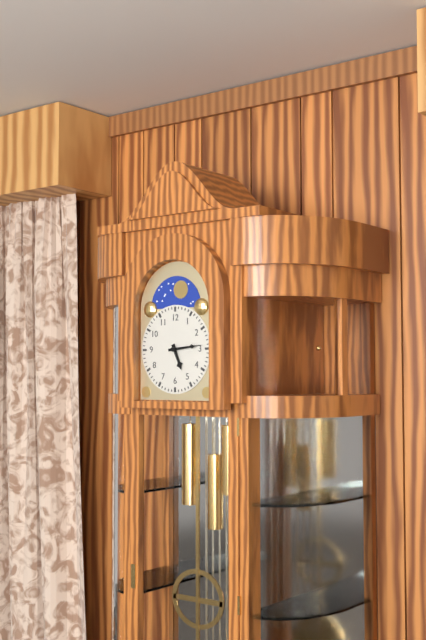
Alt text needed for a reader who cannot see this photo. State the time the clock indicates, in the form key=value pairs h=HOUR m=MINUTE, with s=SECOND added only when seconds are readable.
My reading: h=5 m=14
